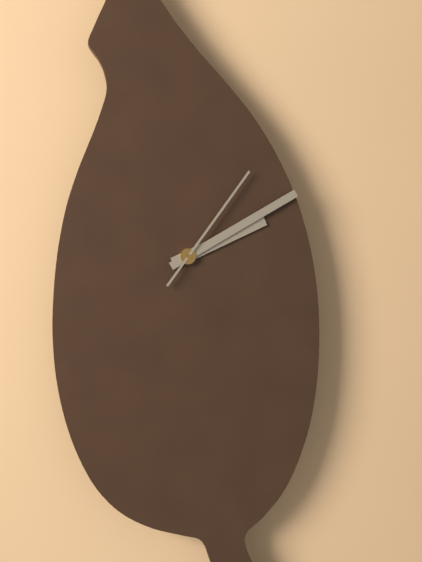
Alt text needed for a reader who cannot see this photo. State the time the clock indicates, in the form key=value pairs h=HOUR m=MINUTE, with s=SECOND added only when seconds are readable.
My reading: h=2 m=10 s=6
